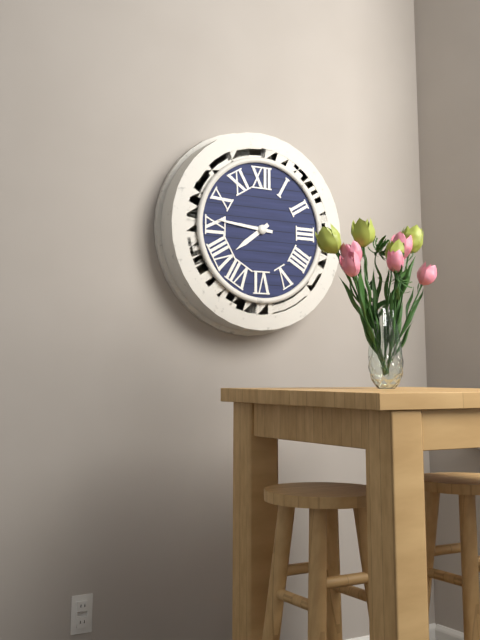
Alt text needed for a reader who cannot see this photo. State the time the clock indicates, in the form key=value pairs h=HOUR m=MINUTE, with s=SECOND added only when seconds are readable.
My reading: h=7 m=46
